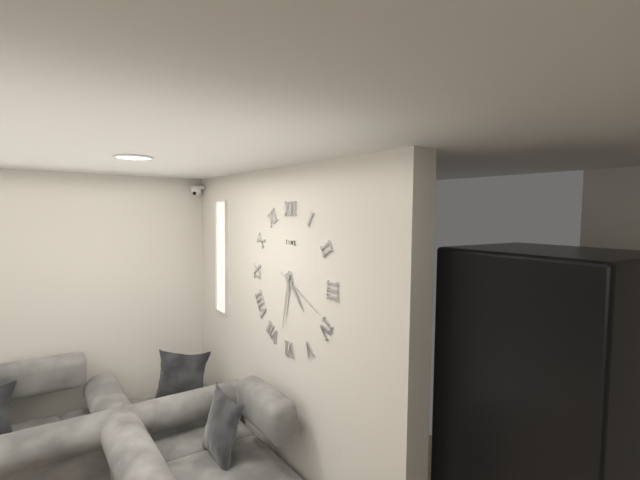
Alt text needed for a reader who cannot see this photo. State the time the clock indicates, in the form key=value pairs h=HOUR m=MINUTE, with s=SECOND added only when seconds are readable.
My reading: h=4 m=32 s=19
